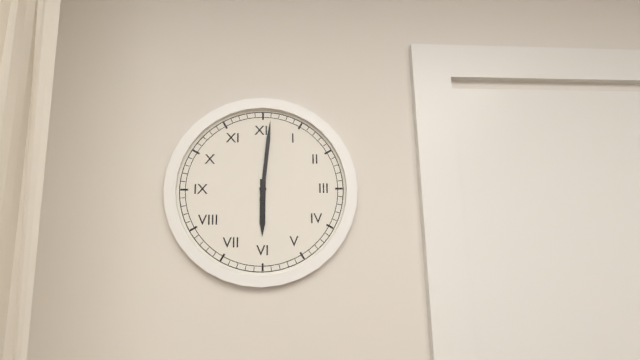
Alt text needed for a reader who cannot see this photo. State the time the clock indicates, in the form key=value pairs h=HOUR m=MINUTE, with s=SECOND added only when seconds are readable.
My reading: h=6 m=1
